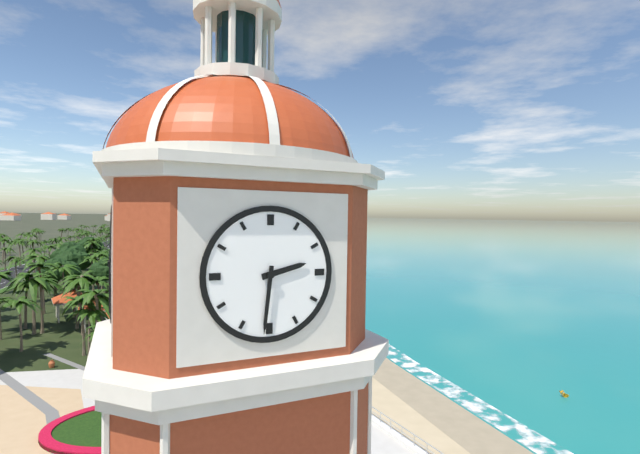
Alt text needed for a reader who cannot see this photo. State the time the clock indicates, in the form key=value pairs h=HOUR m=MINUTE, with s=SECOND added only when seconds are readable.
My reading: h=2 m=31
